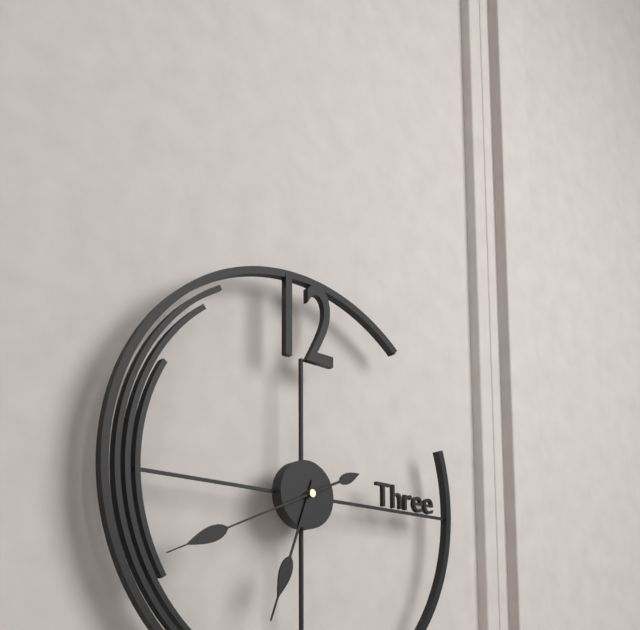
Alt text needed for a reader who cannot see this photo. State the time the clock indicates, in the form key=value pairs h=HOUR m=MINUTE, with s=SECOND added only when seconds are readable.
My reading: h=6 m=41
